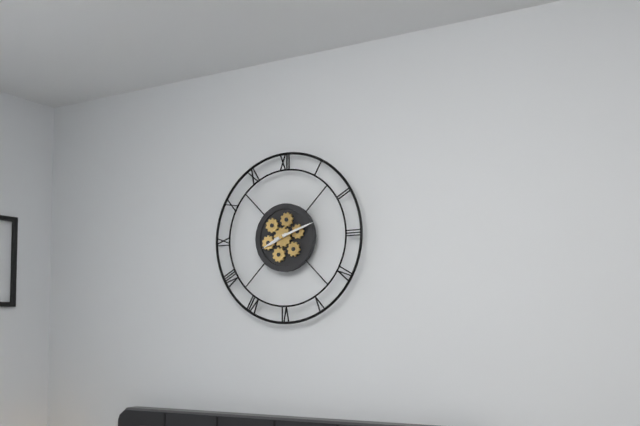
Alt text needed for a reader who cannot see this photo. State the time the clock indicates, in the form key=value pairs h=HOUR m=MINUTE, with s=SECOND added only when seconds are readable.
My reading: h=8 m=12
